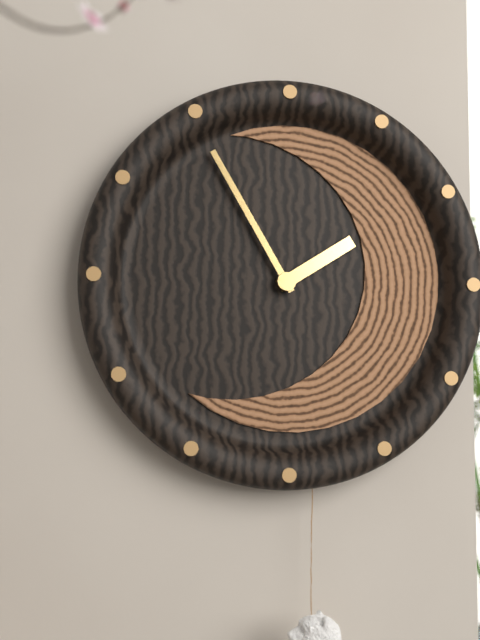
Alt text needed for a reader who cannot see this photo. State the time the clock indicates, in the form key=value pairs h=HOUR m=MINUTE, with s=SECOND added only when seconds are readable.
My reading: h=1 m=55
